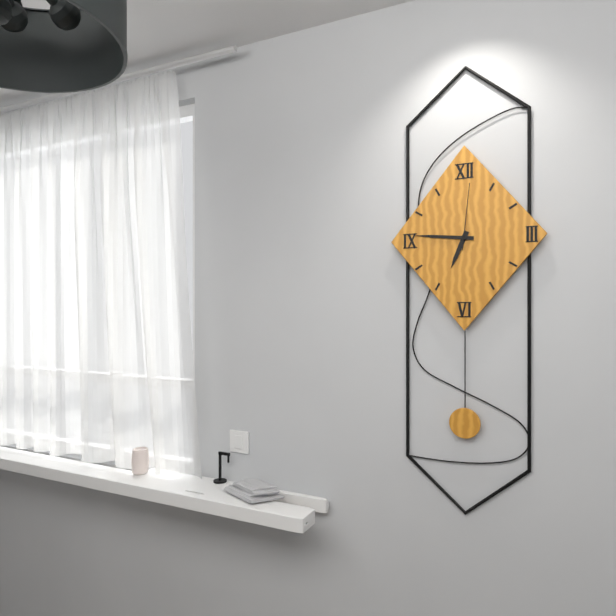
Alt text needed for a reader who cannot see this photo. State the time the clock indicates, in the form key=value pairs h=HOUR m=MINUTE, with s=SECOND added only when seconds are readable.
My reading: h=6 m=46 s=1
